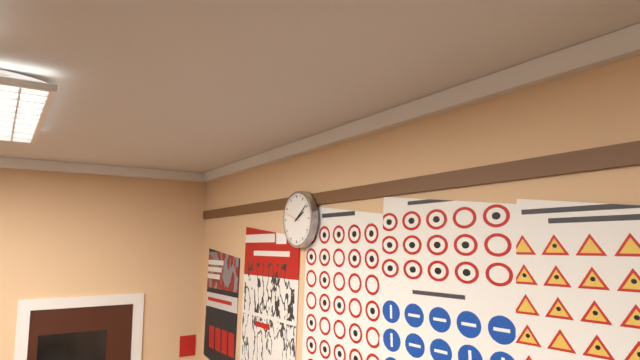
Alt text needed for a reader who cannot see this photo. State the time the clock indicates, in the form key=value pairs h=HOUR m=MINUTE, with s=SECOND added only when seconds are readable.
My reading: h=2 m=9
